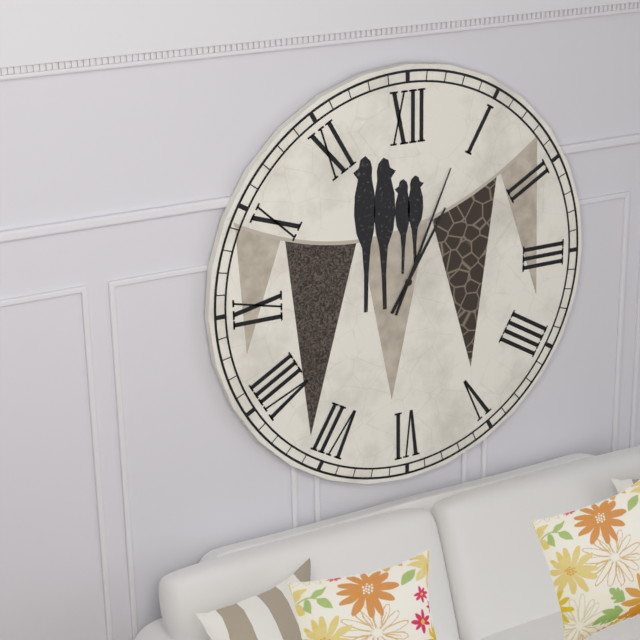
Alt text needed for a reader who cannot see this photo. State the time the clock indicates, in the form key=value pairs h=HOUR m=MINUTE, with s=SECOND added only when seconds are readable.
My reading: h=1 m=4
